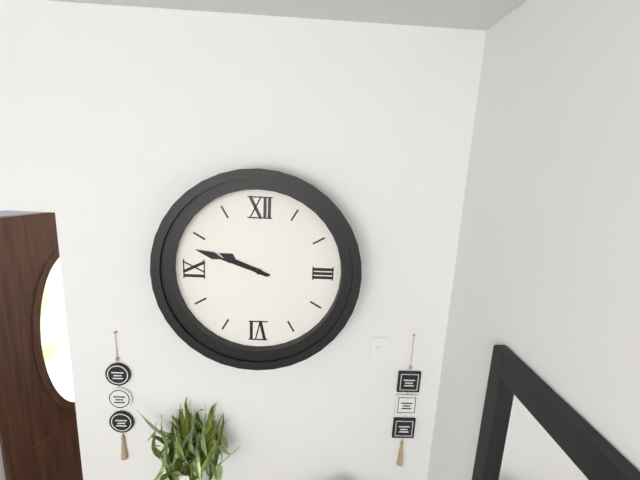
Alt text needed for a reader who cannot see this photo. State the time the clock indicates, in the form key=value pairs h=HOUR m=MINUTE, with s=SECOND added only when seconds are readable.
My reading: h=9 m=48
